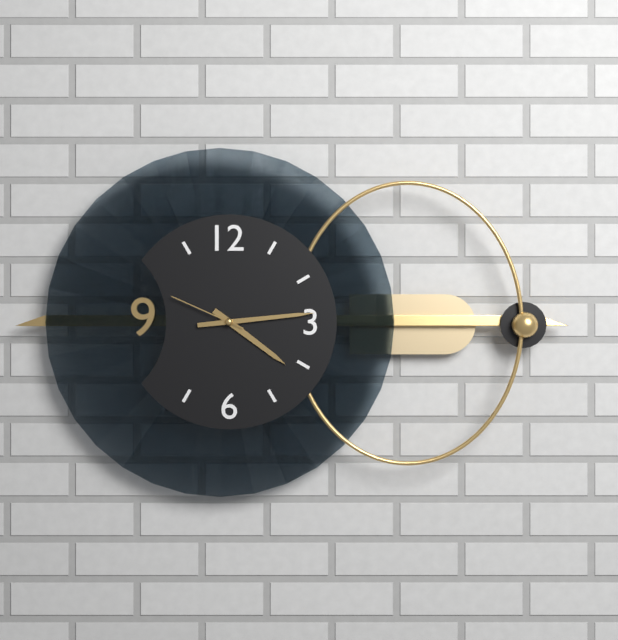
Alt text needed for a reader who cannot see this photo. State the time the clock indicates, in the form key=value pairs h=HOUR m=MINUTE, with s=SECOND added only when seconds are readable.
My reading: h=4 m=14 s=49
